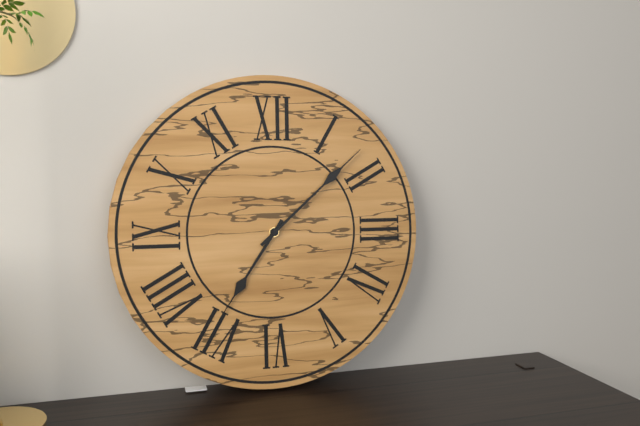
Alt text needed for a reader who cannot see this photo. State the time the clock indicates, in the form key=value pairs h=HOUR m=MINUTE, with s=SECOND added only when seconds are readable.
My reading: h=7 m=8
